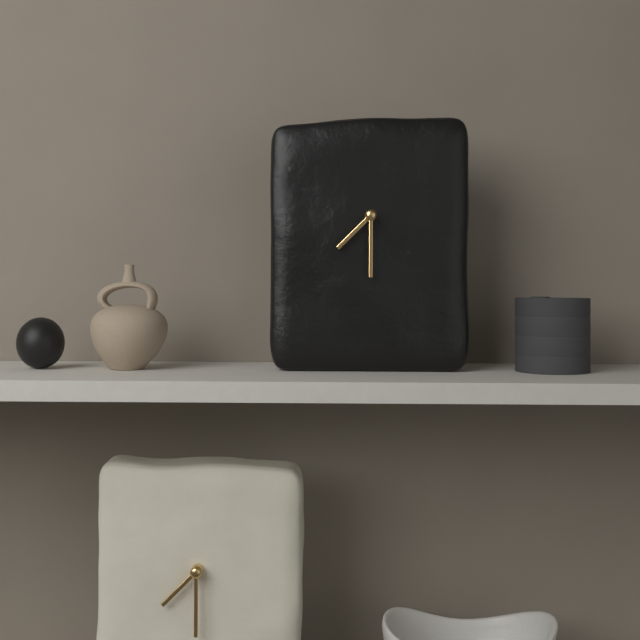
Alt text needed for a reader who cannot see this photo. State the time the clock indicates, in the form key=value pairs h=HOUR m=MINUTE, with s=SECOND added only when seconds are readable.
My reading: h=7 m=30
